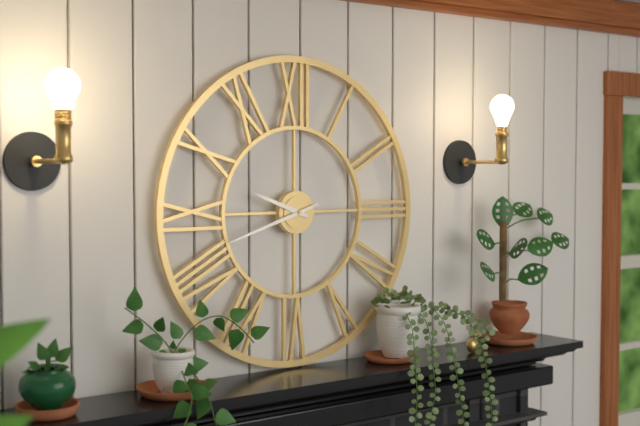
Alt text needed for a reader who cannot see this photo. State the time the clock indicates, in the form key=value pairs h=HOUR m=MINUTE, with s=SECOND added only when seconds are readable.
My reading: h=9 m=42
